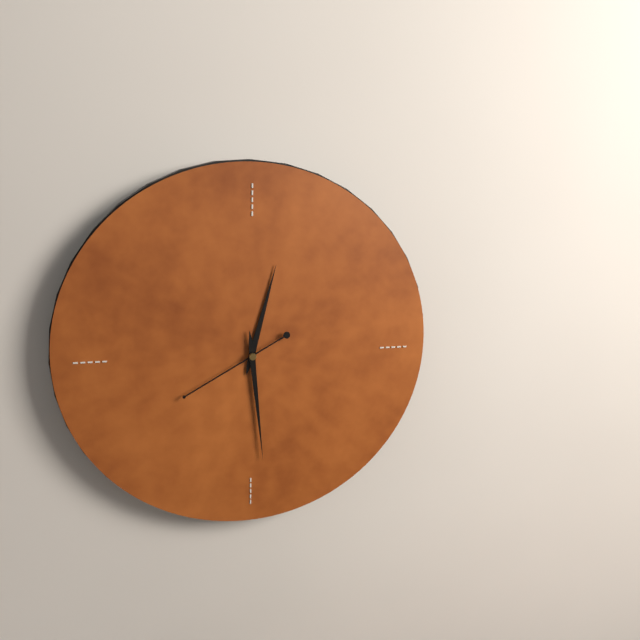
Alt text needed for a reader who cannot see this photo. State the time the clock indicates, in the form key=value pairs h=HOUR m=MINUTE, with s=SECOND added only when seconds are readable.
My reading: h=12 m=29 s=40
